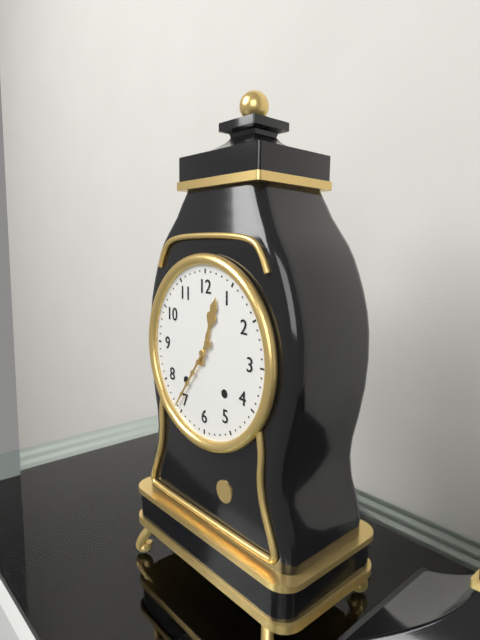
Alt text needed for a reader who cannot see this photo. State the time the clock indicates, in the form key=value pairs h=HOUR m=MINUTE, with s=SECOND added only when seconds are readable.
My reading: h=12 m=36
